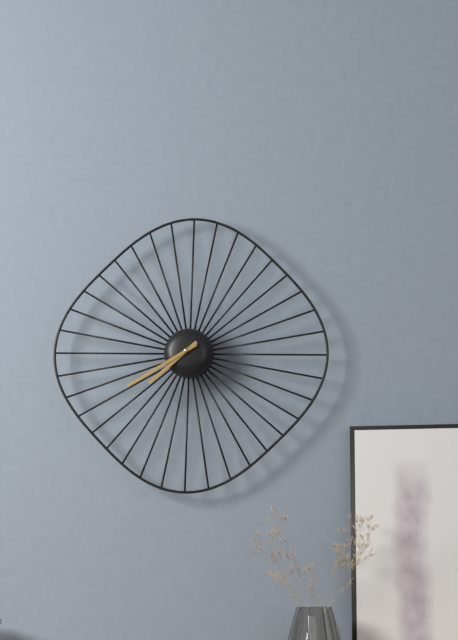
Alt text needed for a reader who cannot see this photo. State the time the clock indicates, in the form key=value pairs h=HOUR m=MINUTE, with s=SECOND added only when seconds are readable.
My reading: h=7 m=40
